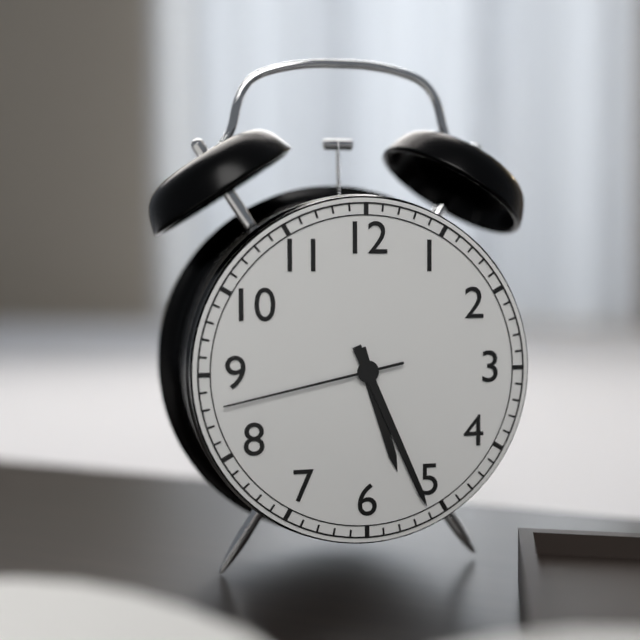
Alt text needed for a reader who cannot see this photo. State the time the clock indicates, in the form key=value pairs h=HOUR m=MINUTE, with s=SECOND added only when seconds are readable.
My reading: h=5 m=26 s=43
